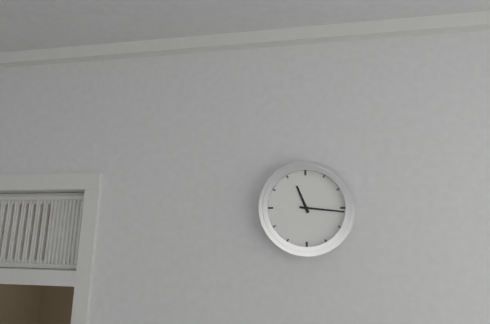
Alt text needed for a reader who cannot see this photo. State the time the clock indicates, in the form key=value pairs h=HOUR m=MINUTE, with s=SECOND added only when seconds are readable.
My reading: h=11 m=16
